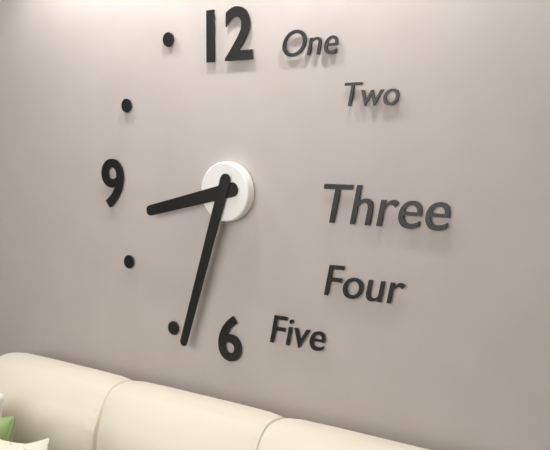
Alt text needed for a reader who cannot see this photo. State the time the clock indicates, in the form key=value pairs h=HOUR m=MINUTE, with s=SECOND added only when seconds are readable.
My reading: h=8 m=33
